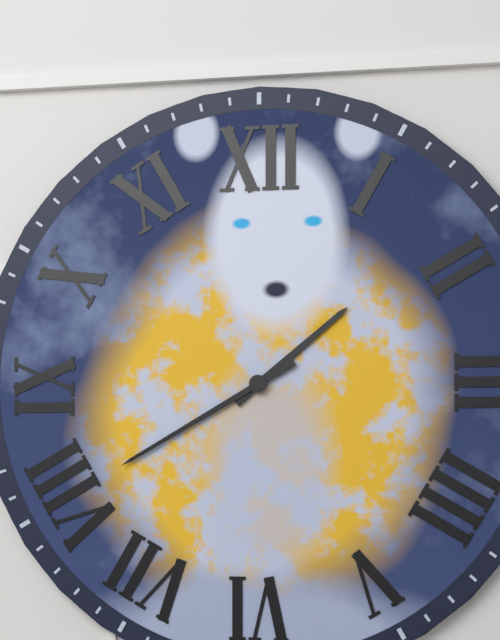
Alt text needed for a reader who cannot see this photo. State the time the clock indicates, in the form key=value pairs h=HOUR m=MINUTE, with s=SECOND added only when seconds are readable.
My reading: h=1 m=40
